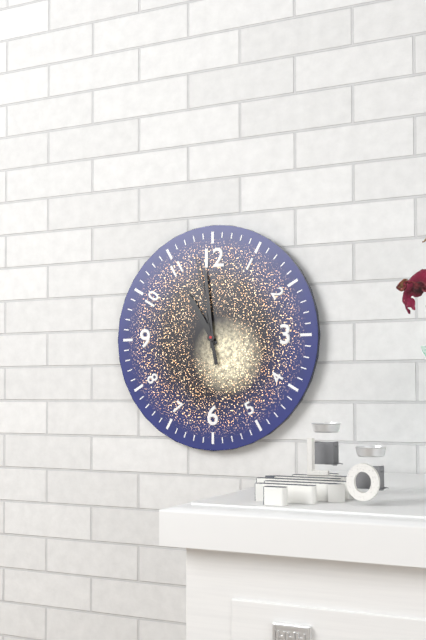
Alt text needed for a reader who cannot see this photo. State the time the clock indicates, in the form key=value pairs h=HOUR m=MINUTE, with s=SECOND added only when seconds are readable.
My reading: h=10 m=59 s=58
